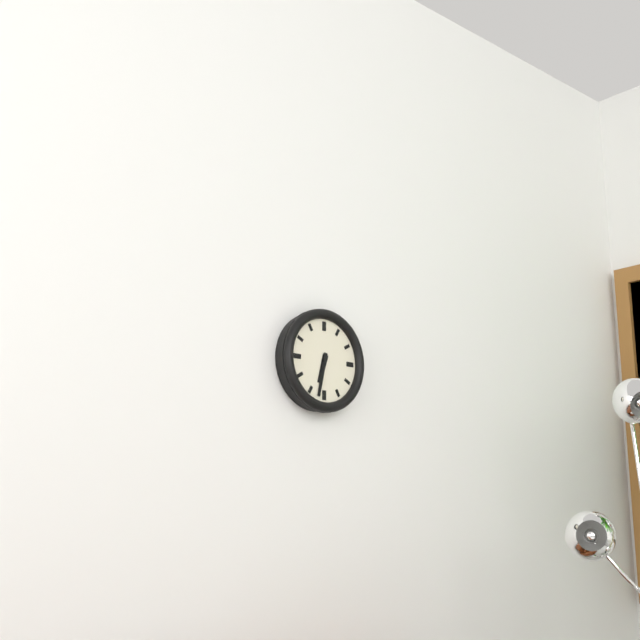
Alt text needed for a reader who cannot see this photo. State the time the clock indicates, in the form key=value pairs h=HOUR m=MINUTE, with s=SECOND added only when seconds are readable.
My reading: h=6 m=32
